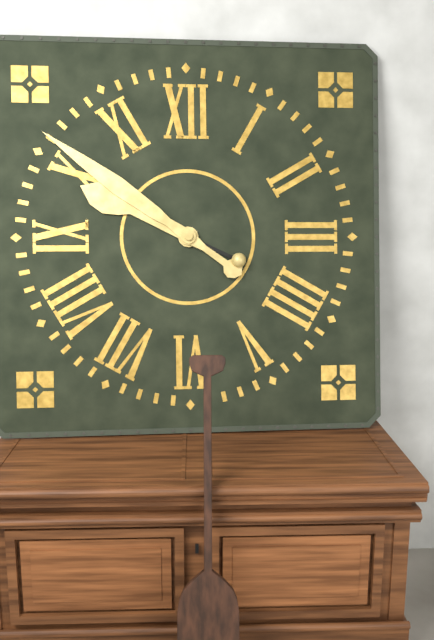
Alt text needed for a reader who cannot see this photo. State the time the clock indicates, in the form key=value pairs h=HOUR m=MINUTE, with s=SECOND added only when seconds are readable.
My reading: h=9 m=51
